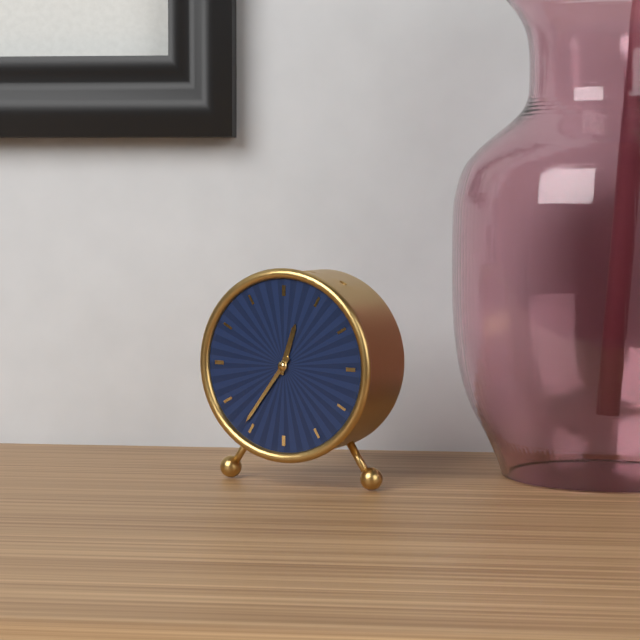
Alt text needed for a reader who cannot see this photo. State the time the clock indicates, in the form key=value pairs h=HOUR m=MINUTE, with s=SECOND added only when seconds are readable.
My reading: h=12 m=36
